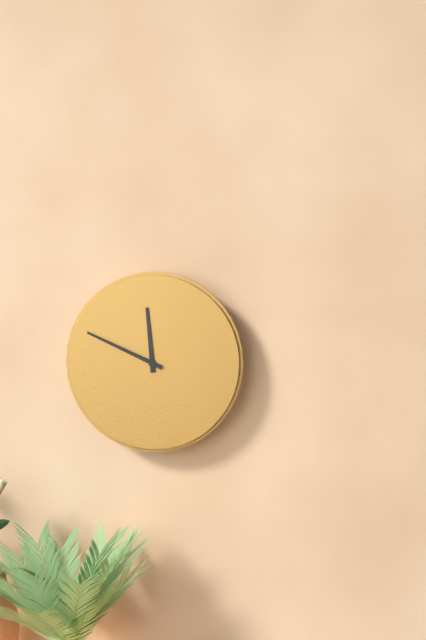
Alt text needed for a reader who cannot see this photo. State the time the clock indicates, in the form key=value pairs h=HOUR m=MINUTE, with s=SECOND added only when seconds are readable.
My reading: h=11 m=49
